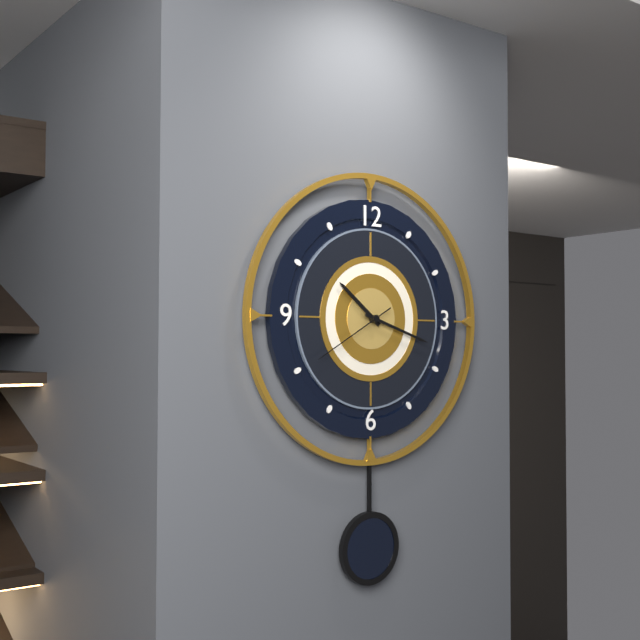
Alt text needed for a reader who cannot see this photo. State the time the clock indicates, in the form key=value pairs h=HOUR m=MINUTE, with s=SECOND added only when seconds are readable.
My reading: h=10 m=18 s=40
